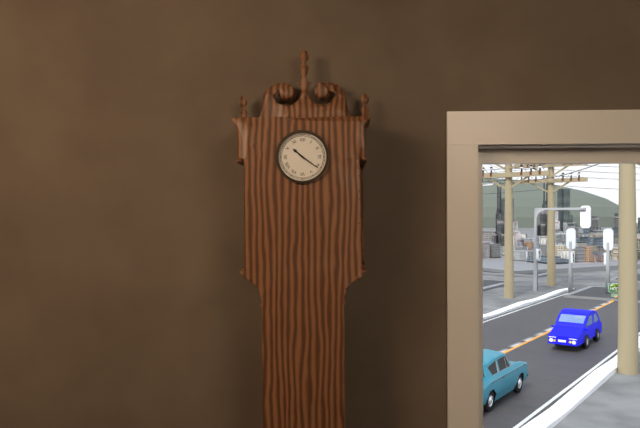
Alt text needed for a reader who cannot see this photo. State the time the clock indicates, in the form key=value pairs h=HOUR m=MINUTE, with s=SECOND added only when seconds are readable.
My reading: h=10 m=21
